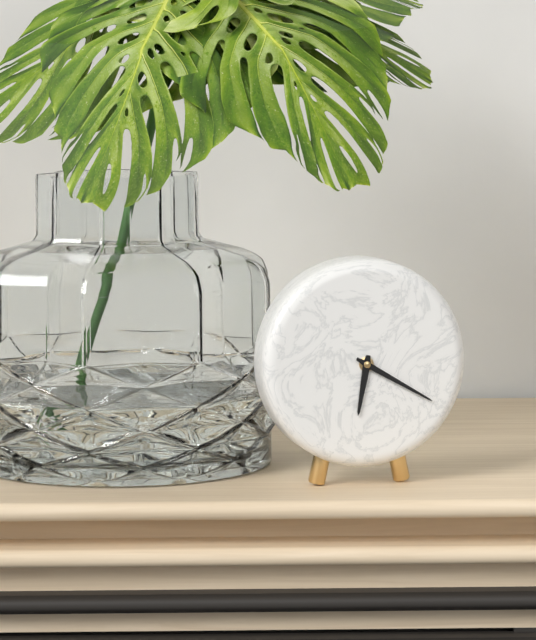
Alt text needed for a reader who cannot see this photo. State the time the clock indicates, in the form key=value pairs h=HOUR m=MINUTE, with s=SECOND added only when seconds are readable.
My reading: h=6 m=20
